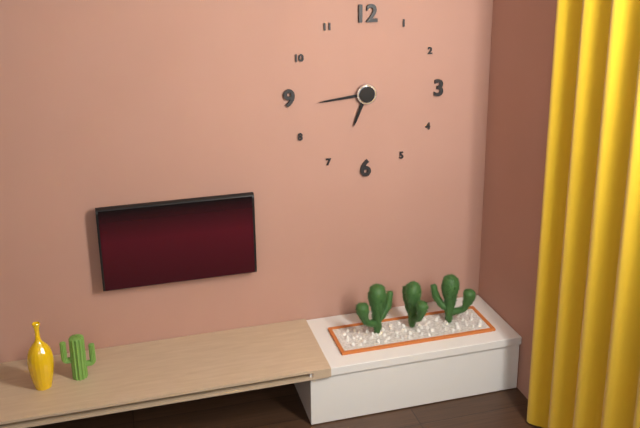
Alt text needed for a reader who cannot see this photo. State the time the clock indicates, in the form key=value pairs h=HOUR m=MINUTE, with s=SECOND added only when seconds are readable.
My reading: h=6 m=44
